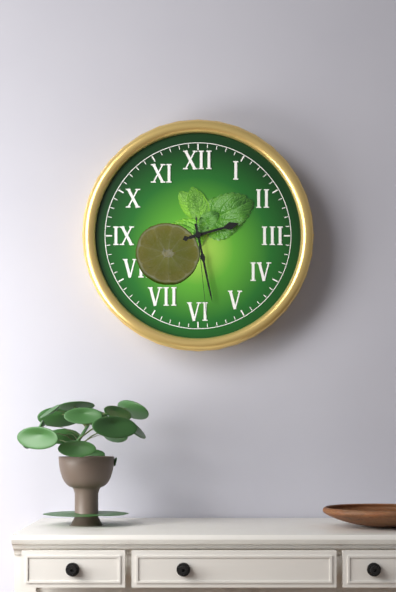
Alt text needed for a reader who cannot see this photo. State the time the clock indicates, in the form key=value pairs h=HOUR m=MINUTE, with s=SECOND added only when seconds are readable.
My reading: h=2 m=28 s=29
